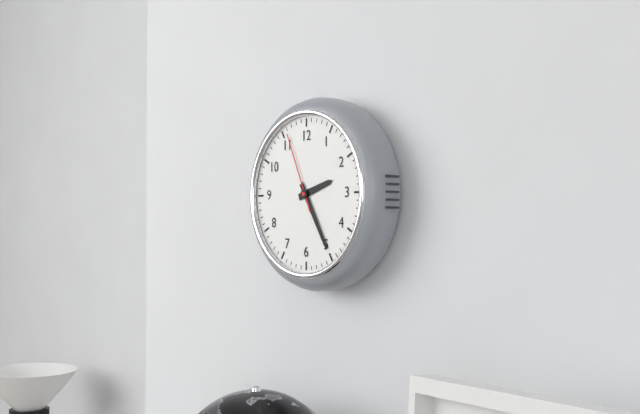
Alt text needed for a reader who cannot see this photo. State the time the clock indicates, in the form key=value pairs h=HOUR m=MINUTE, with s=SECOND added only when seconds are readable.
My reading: h=2 m=25 s=56
